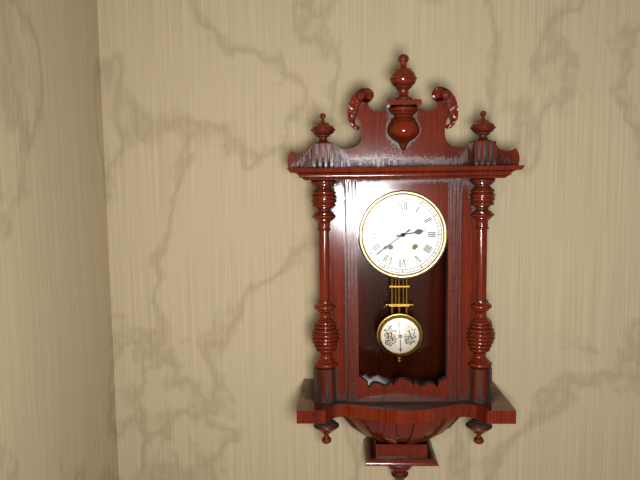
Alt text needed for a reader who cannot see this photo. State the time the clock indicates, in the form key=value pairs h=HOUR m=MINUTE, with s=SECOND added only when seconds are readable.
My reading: h=2 m=39
